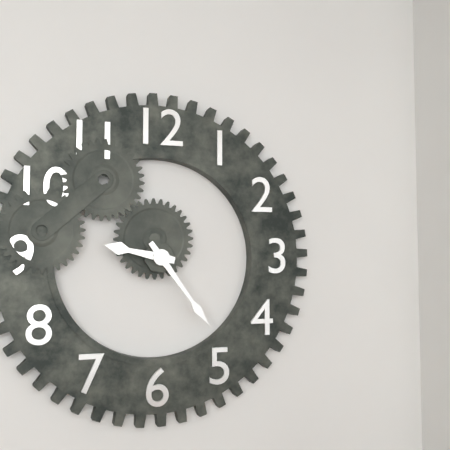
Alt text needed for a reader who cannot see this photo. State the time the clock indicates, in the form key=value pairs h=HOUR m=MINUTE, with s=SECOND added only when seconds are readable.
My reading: h=9 m=24
